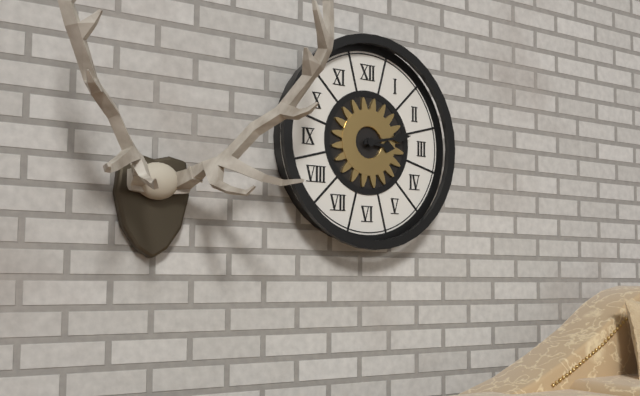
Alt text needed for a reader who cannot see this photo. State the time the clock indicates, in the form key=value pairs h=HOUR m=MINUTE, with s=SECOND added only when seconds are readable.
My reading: h=3 m=13
